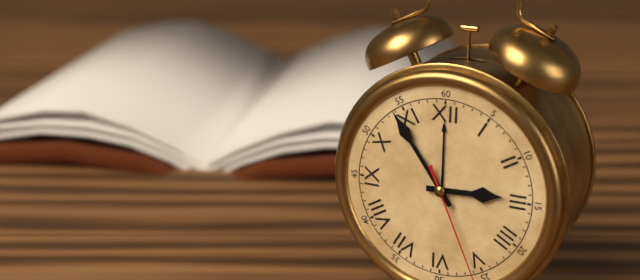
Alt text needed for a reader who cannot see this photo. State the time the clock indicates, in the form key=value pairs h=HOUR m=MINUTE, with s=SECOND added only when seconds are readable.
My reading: h=2 m=54
